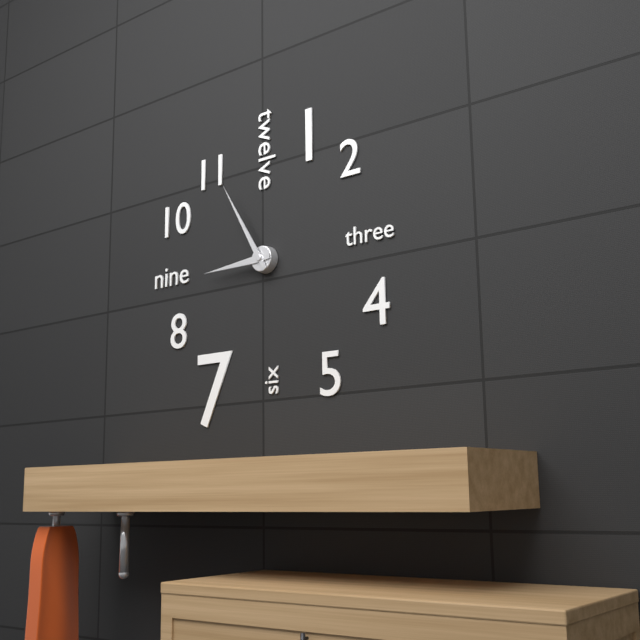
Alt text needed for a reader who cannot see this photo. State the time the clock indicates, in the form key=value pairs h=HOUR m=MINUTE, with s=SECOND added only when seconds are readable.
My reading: h=8 m=55
